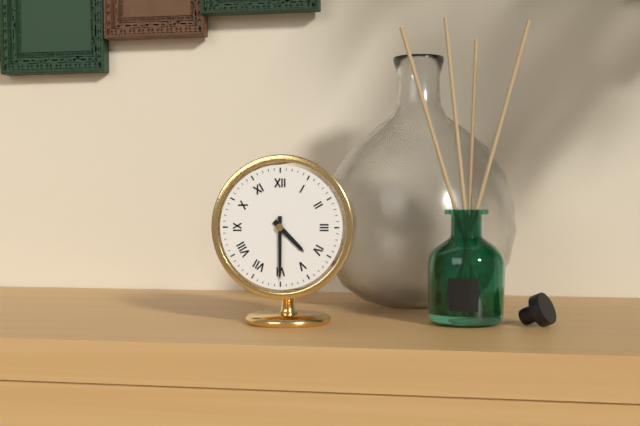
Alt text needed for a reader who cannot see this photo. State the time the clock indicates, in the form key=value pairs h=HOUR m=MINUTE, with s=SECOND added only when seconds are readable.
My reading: h=4 m=30
